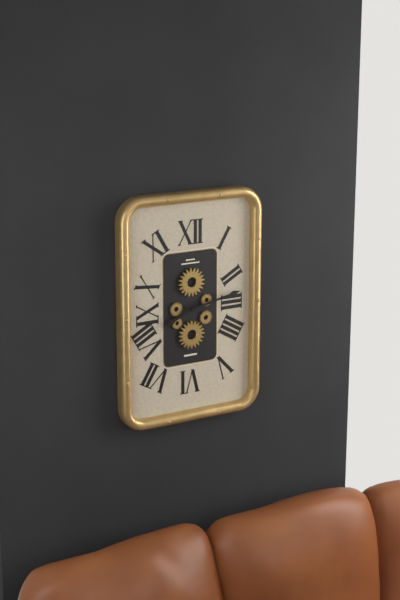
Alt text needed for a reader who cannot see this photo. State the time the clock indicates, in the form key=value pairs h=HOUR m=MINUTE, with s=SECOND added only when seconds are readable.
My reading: h=8 m=13
